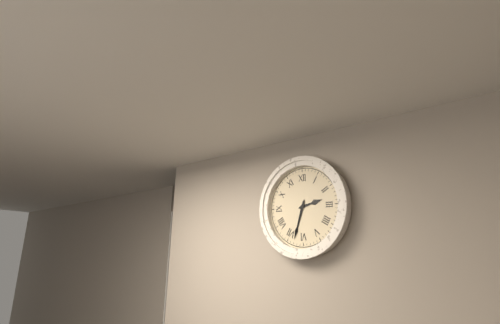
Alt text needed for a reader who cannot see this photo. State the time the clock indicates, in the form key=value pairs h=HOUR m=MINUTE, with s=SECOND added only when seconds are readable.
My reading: h=2 m=33
